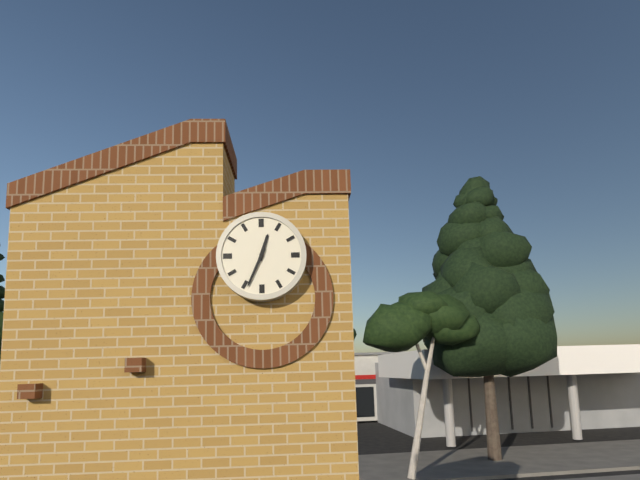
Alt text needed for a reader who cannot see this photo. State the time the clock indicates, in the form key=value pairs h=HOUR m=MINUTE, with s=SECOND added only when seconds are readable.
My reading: h=12 m=34
